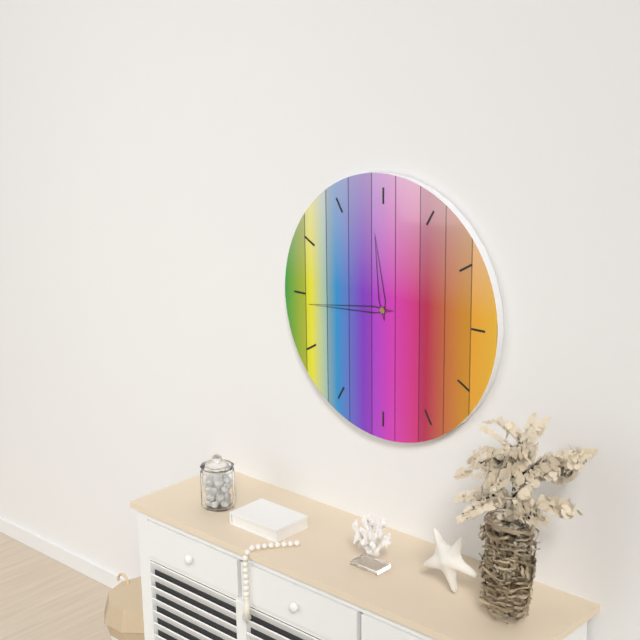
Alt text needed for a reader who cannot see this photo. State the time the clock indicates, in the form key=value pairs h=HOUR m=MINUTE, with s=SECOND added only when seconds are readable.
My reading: h=11 m=44
